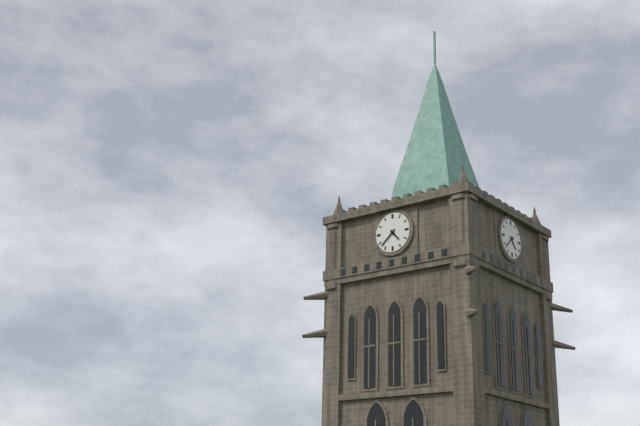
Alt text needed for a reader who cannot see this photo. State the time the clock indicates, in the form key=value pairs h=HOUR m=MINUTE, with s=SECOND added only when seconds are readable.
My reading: h=4 m=38
